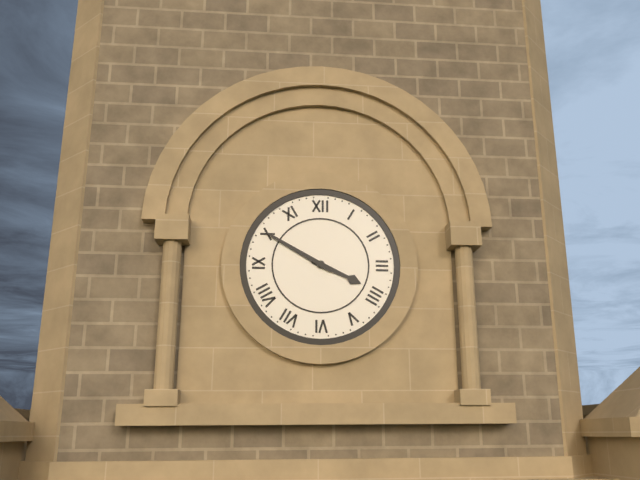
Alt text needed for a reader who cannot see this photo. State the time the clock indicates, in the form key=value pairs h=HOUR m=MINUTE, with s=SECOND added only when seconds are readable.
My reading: h=3 m=50
